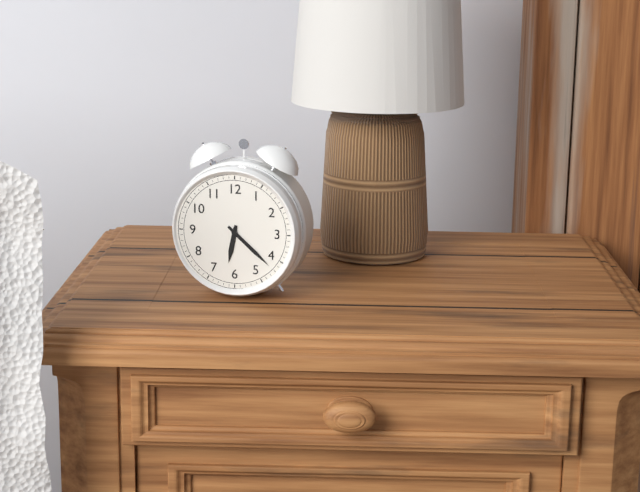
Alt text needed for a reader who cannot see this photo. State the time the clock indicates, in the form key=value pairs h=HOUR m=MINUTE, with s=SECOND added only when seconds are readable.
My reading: h=6 m=22
